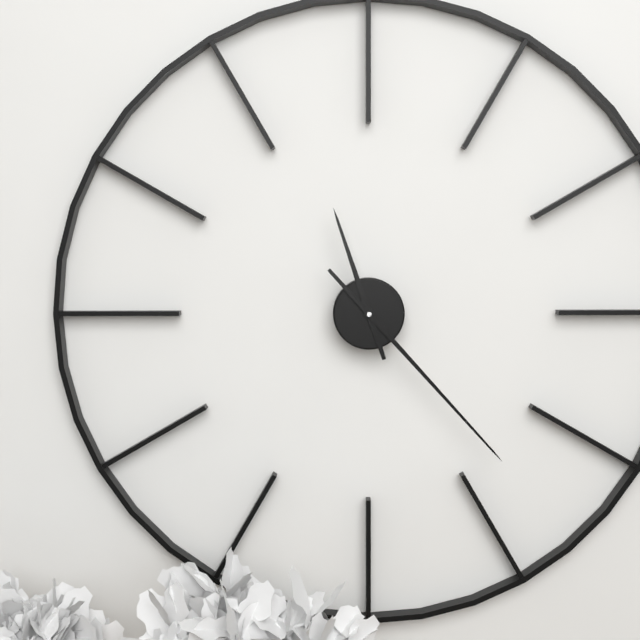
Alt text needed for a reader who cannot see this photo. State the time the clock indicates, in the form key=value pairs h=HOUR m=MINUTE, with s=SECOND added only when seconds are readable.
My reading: h=11 m=23
